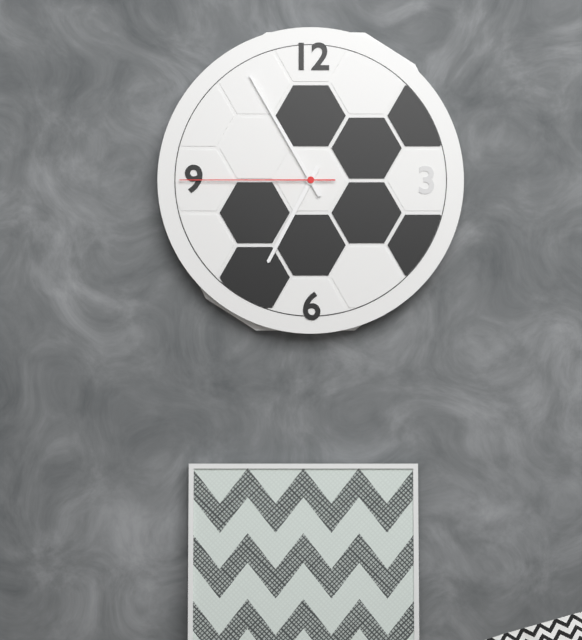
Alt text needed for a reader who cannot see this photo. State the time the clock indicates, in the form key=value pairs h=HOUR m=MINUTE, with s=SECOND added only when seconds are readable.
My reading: h=6 m=55 s=45
